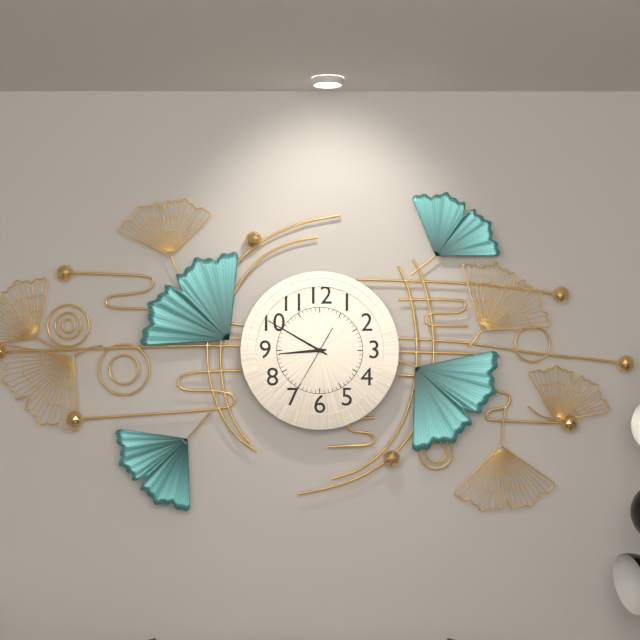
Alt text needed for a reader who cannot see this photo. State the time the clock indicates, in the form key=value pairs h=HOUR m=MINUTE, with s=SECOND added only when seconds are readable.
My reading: h=8 m=50 s=35
